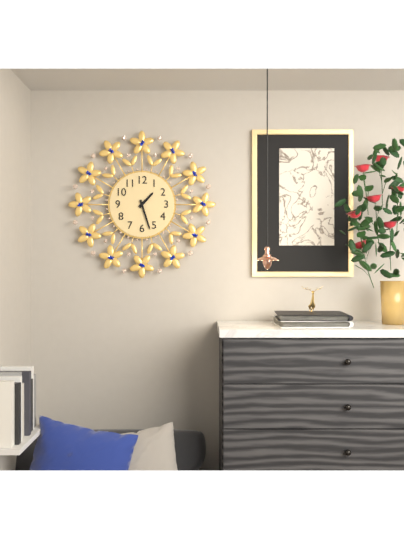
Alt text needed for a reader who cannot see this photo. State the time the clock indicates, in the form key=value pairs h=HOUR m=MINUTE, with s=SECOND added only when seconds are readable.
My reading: h=1 m=27
